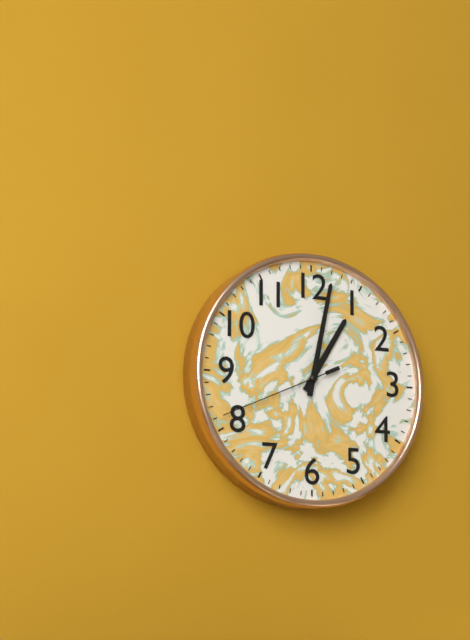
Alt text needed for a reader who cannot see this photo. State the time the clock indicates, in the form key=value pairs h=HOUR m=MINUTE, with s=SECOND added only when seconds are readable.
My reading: h=1 m=2 s=41
